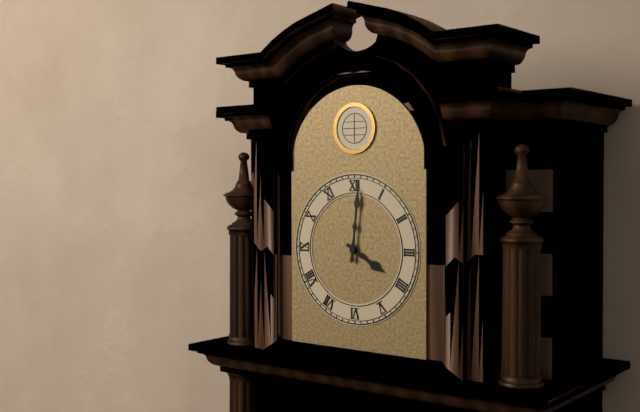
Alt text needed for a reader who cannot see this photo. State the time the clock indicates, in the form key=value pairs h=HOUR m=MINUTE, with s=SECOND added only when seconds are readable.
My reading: h=4 m=1
